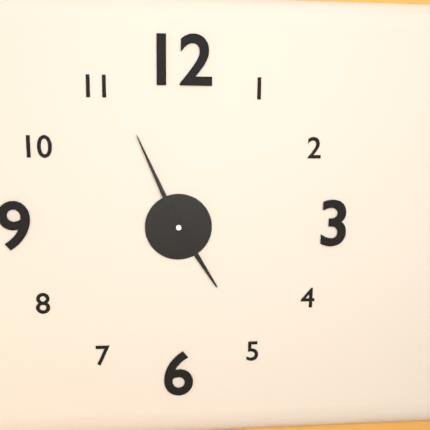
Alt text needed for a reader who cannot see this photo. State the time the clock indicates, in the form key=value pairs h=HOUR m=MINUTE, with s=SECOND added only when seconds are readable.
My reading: h=4 m=56
